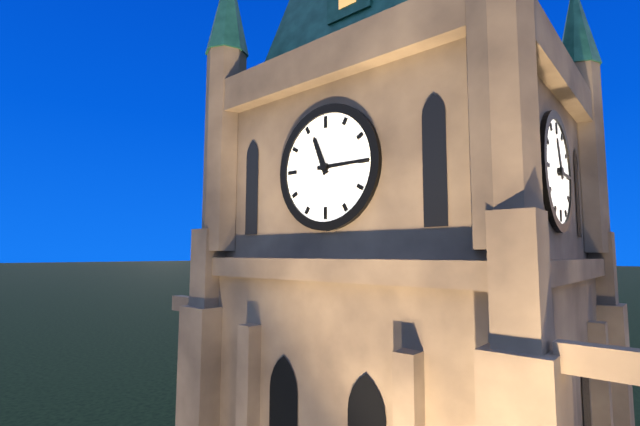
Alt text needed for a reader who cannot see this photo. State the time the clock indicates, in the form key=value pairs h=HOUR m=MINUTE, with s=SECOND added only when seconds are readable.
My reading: h=11 m=15
